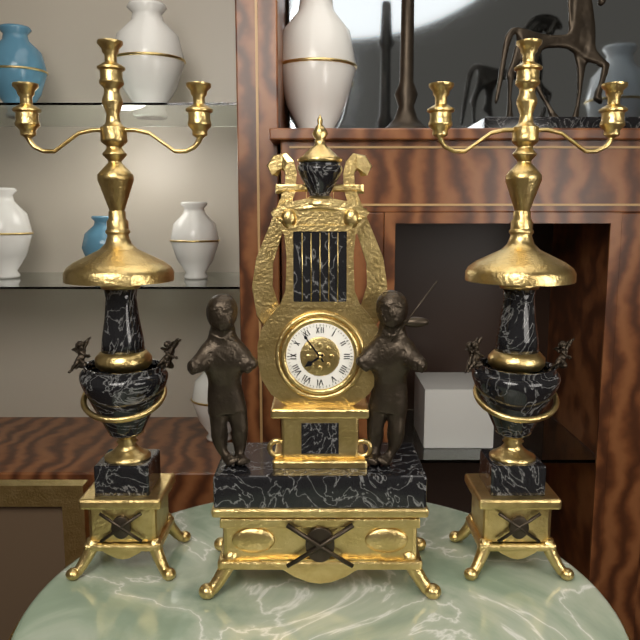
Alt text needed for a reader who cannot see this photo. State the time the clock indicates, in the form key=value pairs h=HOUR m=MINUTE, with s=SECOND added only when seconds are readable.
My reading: h=7 m=54
